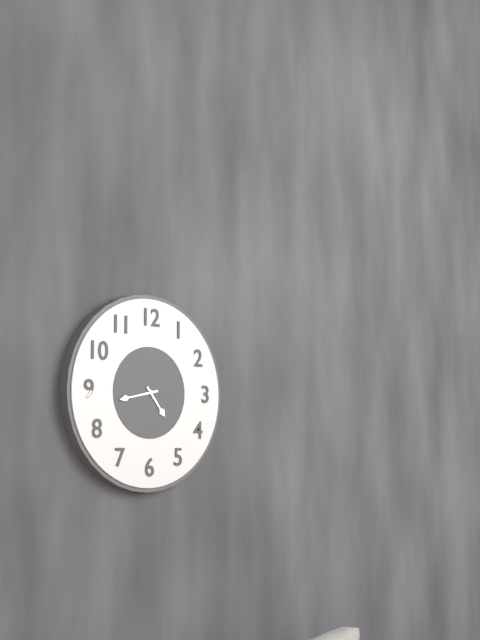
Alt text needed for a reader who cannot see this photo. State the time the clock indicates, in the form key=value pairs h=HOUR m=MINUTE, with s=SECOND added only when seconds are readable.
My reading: h=4 m=43
